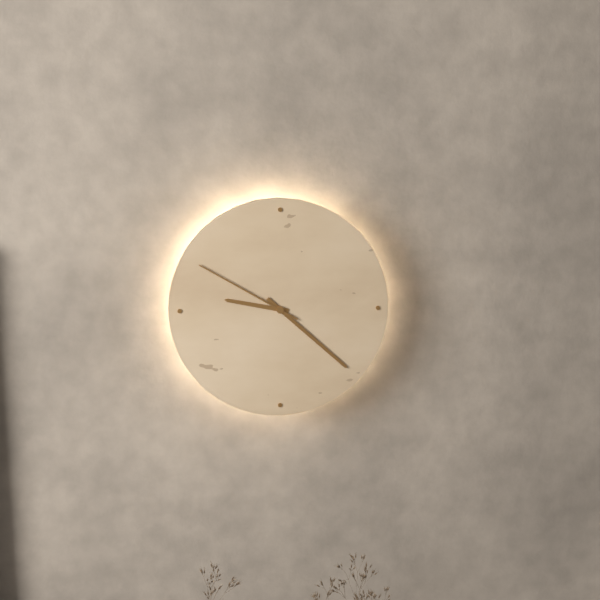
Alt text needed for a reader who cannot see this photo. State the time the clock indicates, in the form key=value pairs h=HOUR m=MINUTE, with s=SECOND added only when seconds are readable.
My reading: h=9 m=22 s=50
